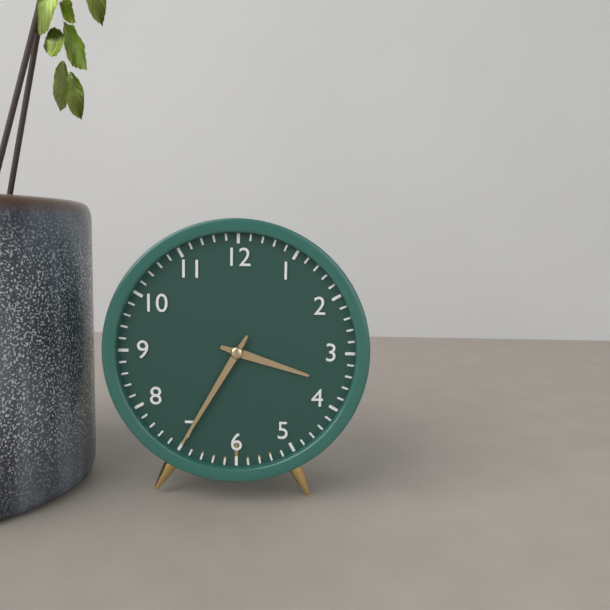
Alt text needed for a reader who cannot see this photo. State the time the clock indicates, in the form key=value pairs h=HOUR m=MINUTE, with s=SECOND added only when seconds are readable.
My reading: h=3 m=35
